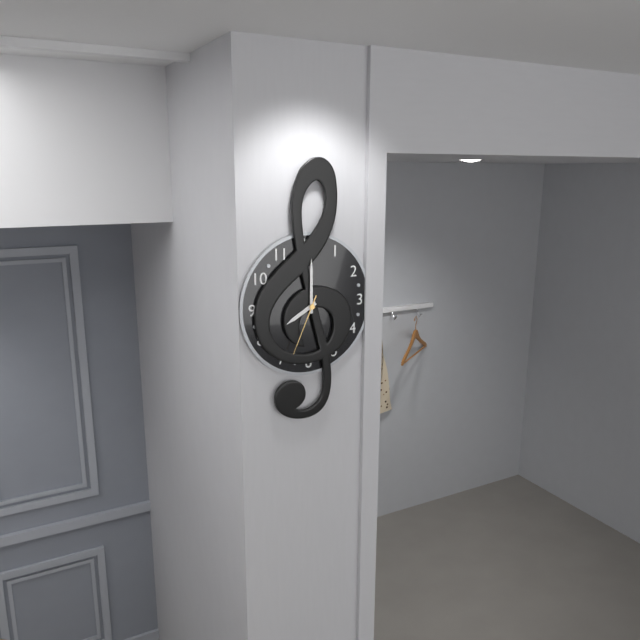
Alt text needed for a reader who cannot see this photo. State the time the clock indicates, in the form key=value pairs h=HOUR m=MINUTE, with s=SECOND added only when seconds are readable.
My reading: h=8 m=0 s=34
